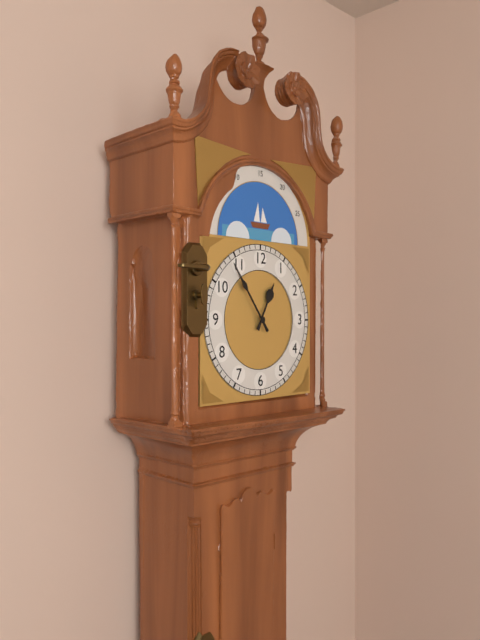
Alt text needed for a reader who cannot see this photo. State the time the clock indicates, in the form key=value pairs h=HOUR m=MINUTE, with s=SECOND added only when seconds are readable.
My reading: h=12 m=54
